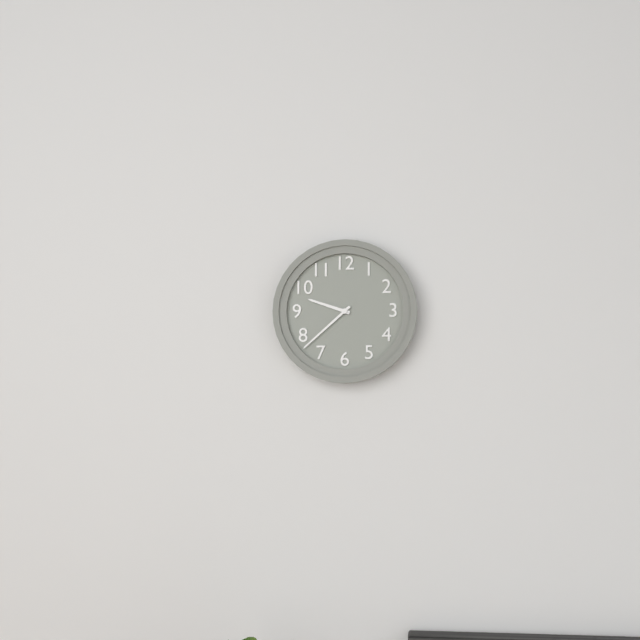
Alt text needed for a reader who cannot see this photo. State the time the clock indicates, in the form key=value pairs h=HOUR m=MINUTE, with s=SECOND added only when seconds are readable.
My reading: h=9 m=38
